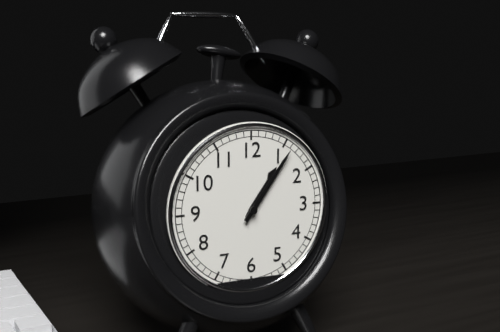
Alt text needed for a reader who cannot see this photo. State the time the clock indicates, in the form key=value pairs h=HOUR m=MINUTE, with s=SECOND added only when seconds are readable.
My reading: h=1 m=6
